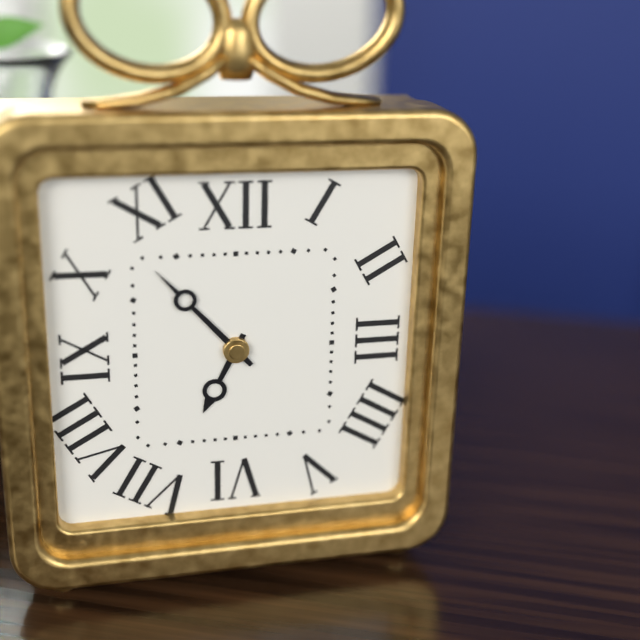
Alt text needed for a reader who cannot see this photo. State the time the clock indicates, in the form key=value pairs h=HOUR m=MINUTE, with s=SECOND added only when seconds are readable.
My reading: h=6 m=53
